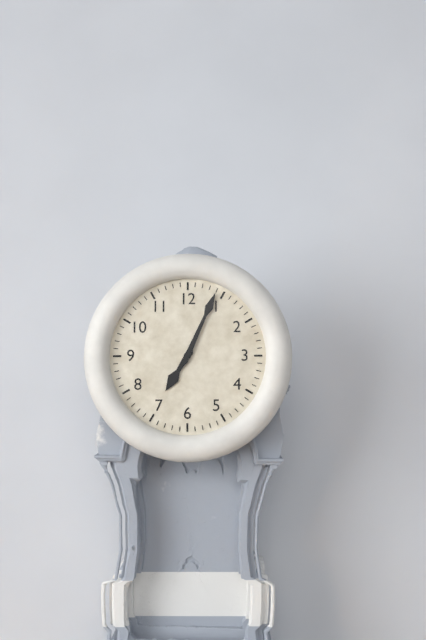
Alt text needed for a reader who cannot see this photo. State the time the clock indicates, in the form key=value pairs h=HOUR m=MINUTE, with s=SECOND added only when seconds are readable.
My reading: h=7 m=4
